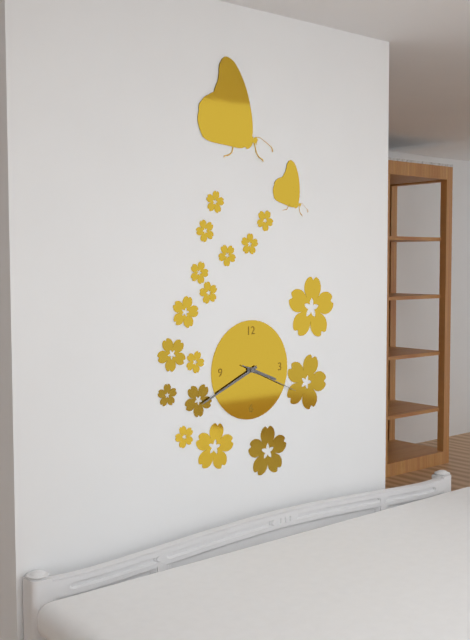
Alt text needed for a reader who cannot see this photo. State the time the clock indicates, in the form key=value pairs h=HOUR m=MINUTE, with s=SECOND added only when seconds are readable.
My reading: h=3 m=41 s=19
